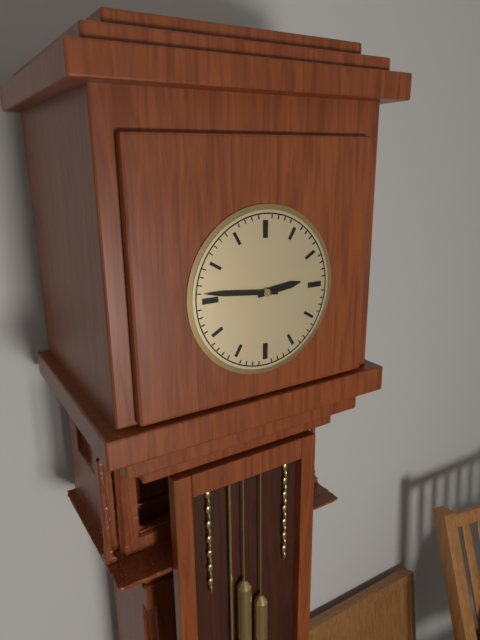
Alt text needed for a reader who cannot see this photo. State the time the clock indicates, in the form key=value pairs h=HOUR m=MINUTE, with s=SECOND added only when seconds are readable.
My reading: h=2 m=46
